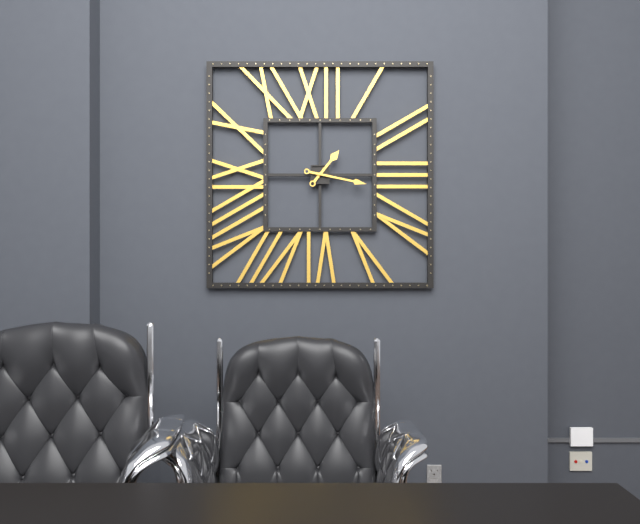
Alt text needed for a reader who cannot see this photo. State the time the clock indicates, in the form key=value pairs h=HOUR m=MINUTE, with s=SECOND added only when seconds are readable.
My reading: h=1 m=17
